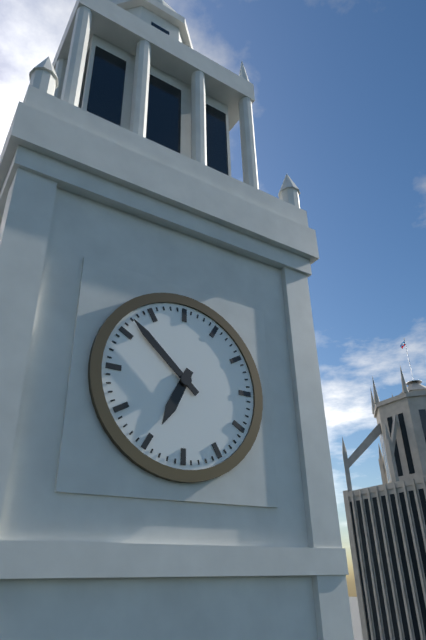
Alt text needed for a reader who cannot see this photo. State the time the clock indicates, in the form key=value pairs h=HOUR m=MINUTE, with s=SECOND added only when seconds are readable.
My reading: h=6 m=52
